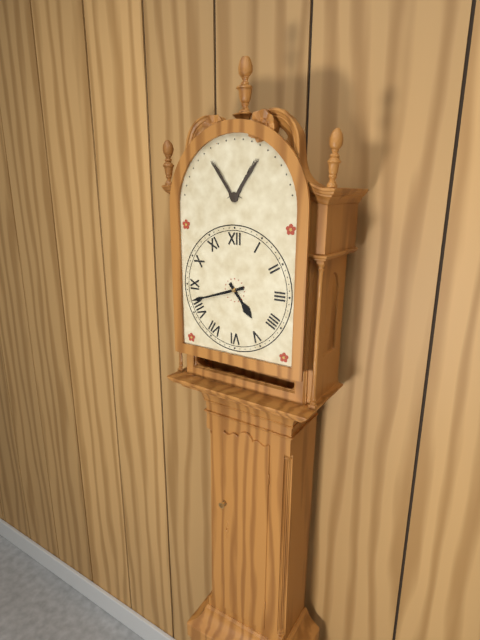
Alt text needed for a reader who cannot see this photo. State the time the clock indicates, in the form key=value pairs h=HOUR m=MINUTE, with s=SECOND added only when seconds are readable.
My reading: h=4 m=42
